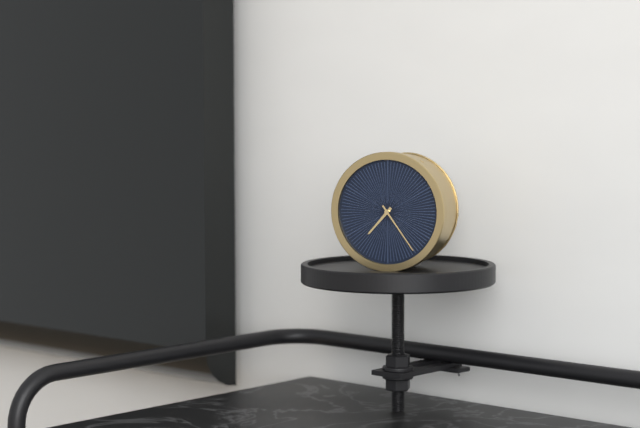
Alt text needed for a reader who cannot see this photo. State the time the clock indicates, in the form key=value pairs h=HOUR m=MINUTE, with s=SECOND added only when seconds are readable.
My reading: h=7 m=24
